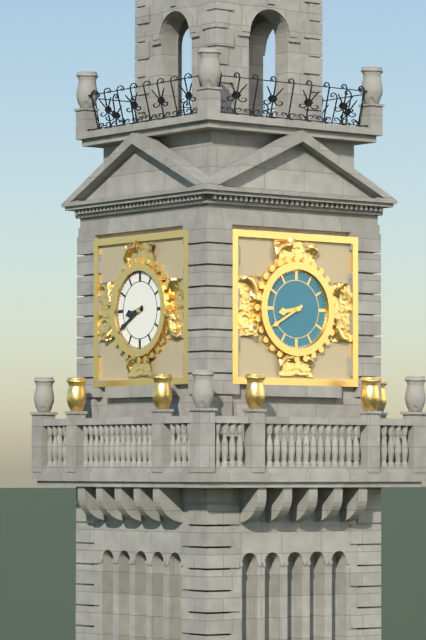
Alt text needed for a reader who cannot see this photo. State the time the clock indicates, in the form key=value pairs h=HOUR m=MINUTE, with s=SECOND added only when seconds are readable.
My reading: h=8 m=40
